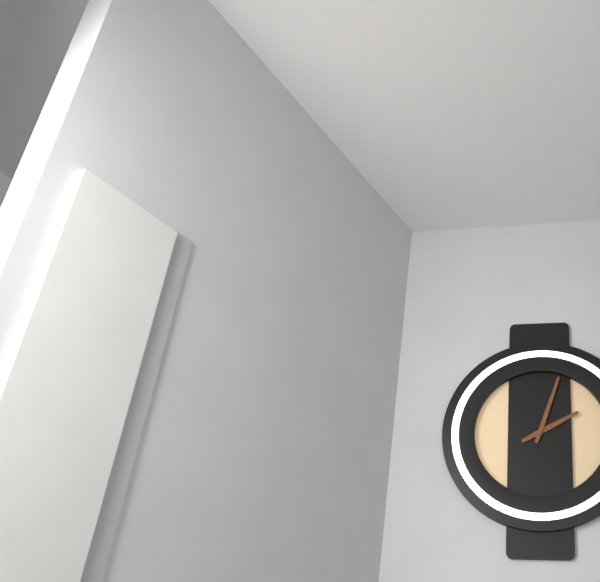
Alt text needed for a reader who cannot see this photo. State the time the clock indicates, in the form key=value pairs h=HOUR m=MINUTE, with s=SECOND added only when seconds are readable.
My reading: h=2 m=3
